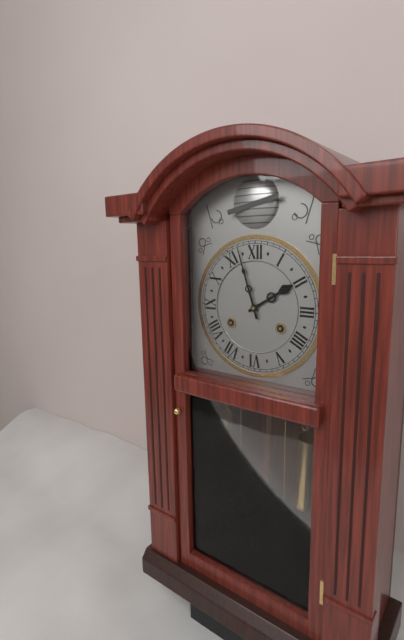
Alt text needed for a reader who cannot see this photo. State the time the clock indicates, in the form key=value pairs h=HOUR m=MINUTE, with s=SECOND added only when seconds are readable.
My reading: h=1 m=57
